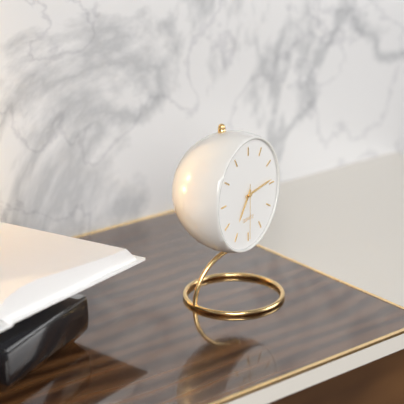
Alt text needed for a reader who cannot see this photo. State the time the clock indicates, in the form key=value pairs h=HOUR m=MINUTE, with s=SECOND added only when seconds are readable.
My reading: h=7 m=14 s=30
